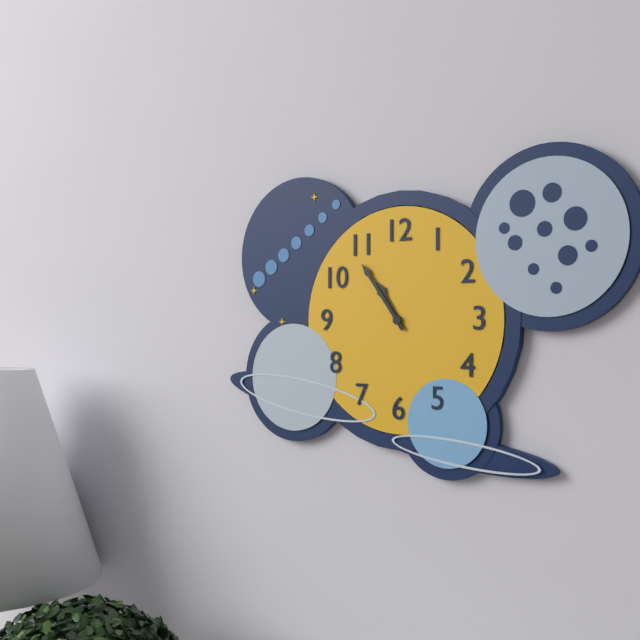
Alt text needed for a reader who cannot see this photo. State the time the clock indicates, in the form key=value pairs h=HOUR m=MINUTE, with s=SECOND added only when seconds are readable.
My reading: h=10 m=54
